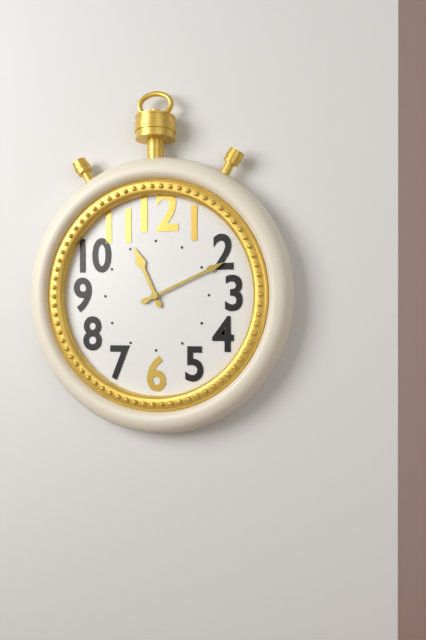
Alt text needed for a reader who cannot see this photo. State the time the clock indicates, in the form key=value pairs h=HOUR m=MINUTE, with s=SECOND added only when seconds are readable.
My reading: h=11 m=11
